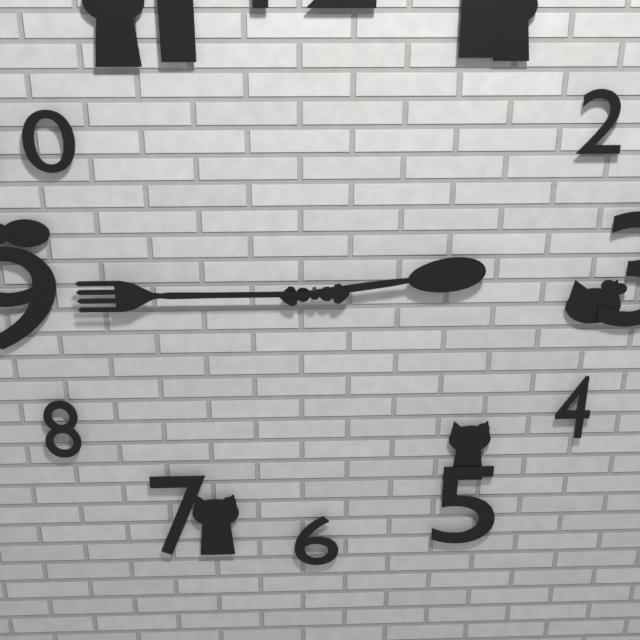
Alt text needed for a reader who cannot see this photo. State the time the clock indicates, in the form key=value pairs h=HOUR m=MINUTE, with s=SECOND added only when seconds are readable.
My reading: h=2 m=45
